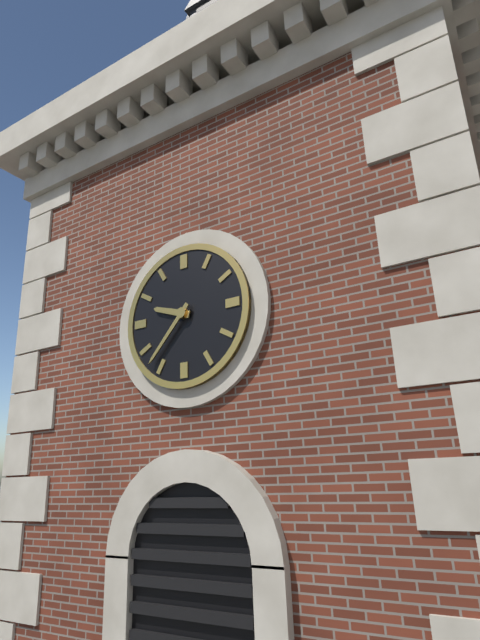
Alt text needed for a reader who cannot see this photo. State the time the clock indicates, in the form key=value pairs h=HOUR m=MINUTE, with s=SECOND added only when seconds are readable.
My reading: h=9 m=37
